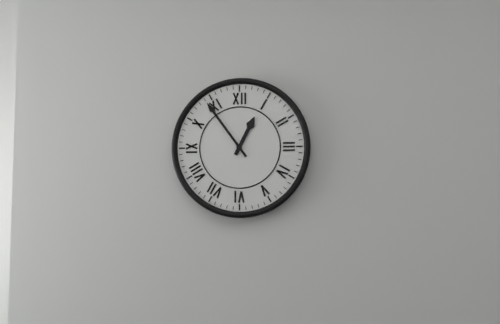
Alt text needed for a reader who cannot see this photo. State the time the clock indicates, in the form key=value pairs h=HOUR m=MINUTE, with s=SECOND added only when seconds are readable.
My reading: h=12 m=54
